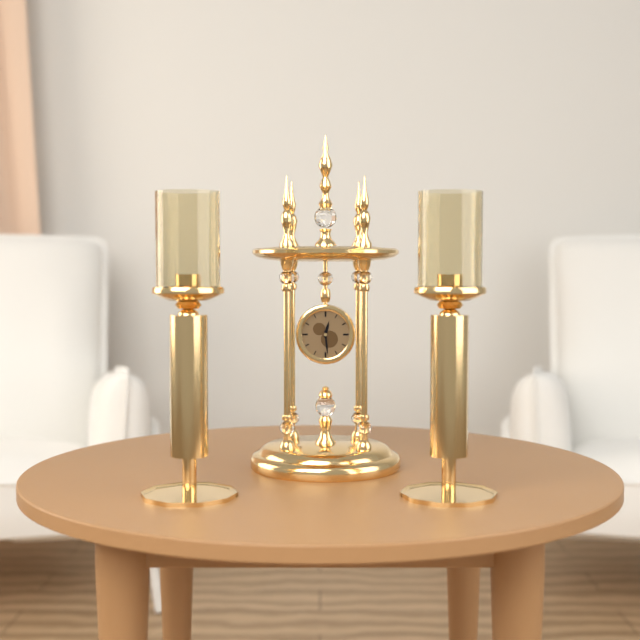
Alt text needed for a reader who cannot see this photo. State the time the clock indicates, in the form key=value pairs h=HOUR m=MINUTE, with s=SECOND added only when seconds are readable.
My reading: h=12 m=29
